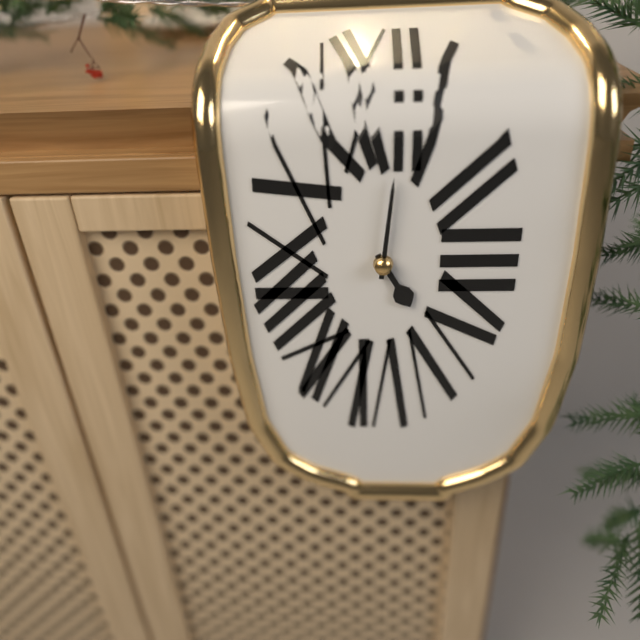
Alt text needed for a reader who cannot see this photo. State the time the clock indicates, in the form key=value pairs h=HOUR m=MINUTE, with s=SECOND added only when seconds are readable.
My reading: h=5 m=1
